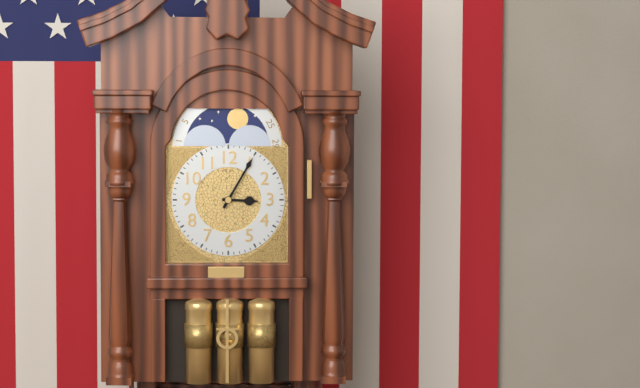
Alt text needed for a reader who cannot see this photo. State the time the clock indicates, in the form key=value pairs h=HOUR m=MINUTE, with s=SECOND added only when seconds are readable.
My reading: h=3 m=5
